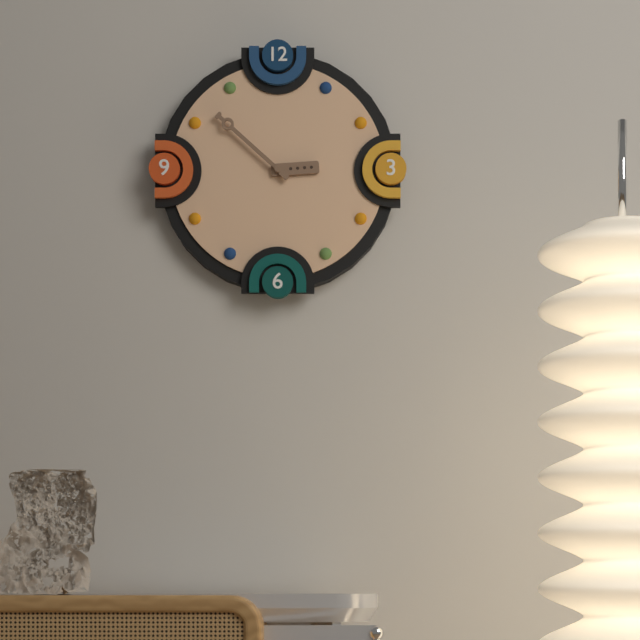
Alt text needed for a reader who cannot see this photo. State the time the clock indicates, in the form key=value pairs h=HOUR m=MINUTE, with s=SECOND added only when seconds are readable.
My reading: h=2 m=52
